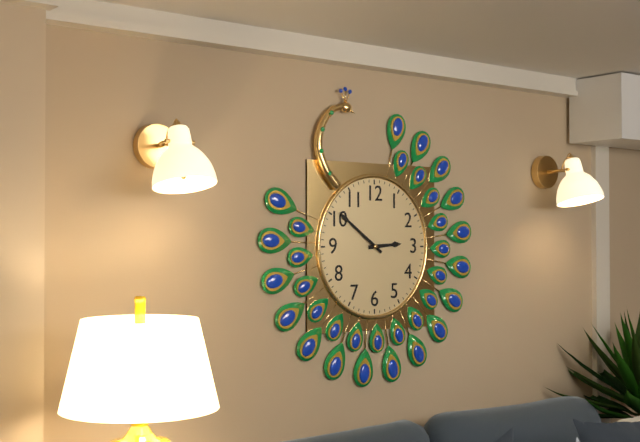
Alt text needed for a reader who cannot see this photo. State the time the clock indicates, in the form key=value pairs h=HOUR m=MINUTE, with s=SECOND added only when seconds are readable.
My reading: h=2 m=51
